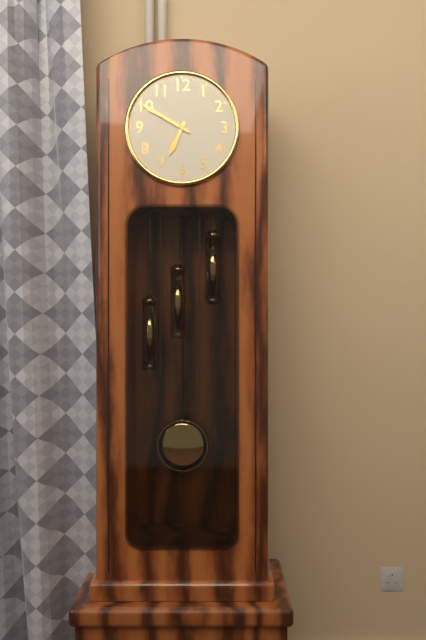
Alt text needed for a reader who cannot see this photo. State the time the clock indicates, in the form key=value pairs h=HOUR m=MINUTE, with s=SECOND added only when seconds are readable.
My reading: h=6 m=50
